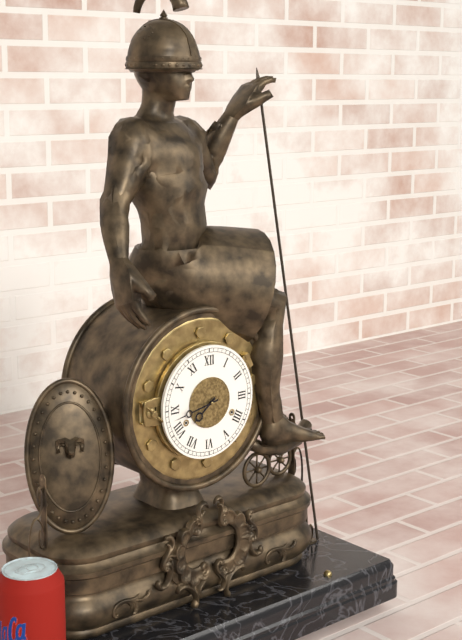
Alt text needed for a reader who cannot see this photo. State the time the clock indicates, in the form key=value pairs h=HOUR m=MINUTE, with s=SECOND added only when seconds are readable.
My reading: h=7 m=43
